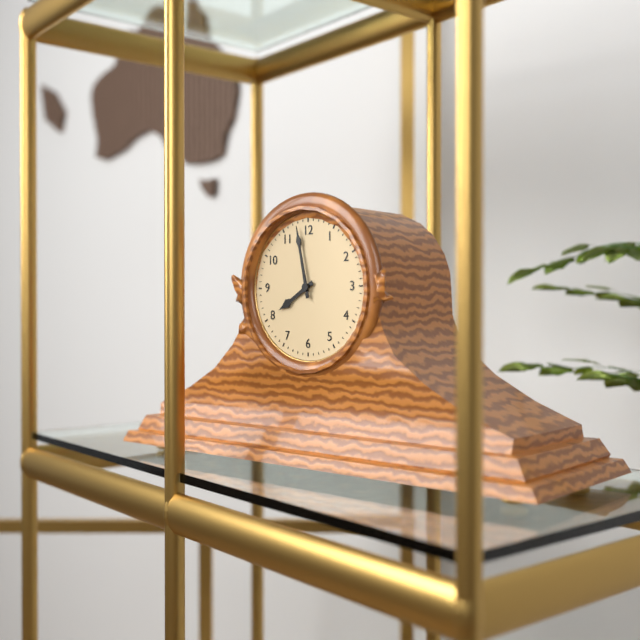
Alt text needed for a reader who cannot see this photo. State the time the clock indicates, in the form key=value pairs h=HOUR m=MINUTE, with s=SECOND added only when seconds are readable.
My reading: h=7 m=58
